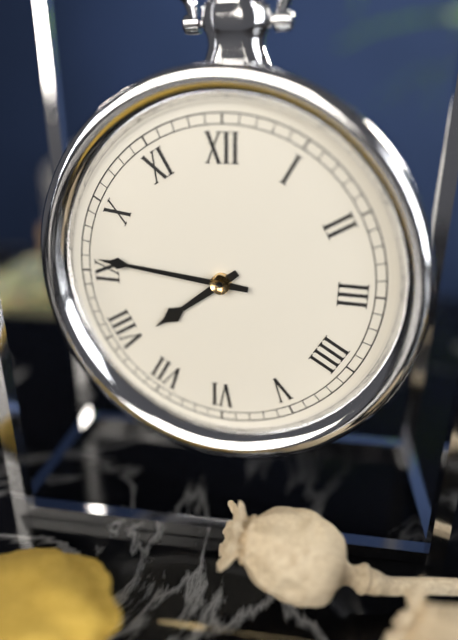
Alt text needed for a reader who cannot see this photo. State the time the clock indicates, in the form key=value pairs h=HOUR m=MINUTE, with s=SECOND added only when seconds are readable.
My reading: h=7 m=46
